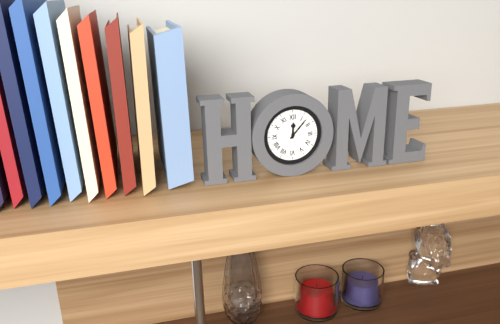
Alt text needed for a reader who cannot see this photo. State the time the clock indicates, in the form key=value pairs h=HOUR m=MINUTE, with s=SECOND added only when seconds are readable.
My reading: h=12 m=7
